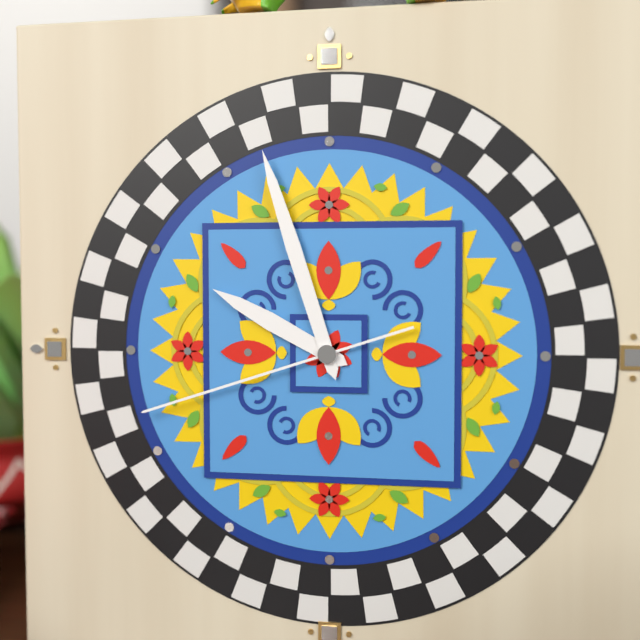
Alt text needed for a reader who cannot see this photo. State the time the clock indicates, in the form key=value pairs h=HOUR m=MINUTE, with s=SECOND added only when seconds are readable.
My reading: h=9 m=57 s=42
